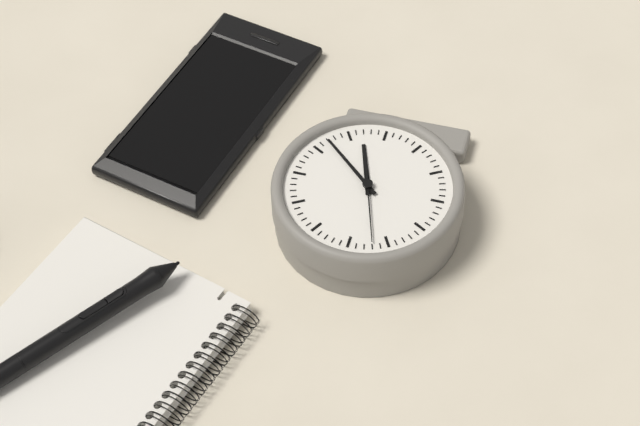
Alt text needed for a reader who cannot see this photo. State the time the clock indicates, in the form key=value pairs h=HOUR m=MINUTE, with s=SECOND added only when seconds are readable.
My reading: h=5 m=22 s=57
